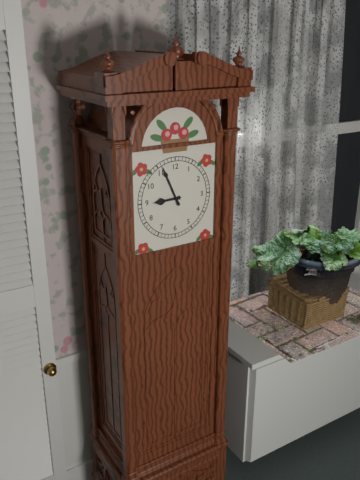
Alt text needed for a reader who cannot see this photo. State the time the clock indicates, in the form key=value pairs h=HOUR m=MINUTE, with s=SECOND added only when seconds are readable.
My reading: h=8 m=56
